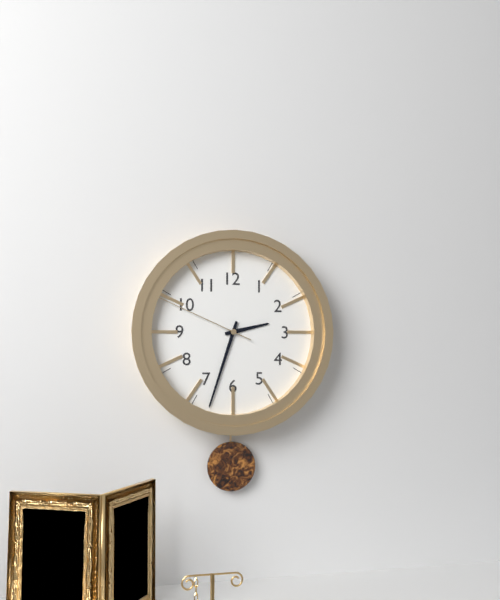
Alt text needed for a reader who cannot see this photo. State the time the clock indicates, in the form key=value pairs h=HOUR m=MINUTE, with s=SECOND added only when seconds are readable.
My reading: h=2 m=33 s=49
